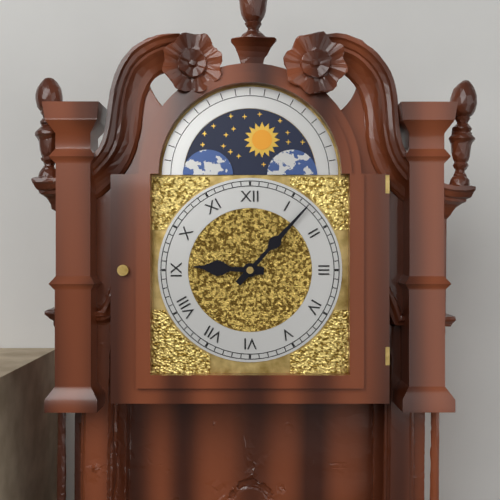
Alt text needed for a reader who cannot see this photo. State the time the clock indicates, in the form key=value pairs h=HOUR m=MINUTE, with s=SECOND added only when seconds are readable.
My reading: h=9 m=7
